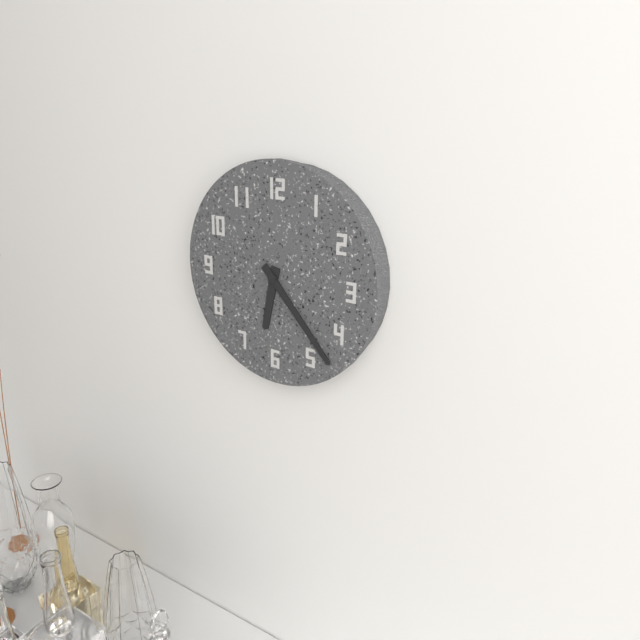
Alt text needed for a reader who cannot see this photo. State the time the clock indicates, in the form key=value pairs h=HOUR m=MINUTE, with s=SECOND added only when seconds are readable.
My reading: h=6 m=23
